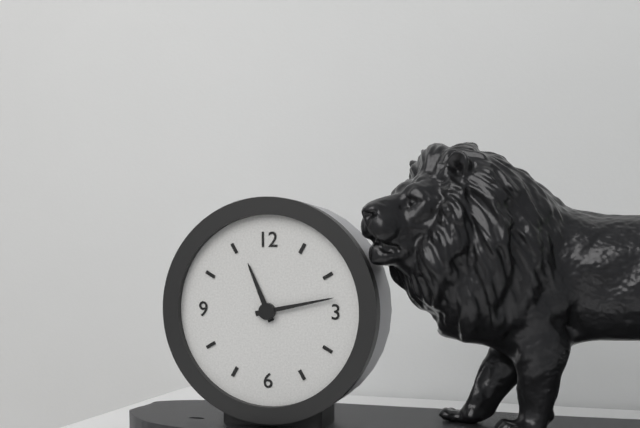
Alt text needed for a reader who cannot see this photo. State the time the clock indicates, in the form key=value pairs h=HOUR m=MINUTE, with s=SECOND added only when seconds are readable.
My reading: h=11 m=13
